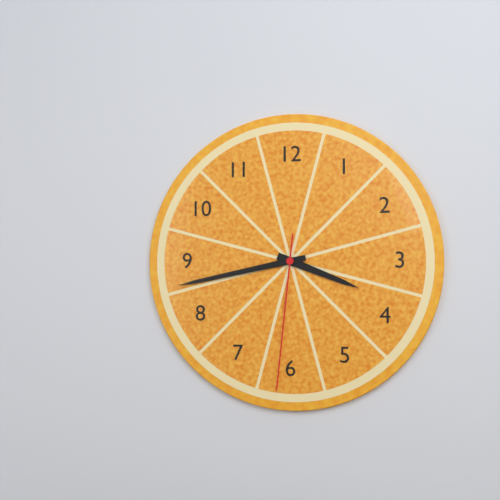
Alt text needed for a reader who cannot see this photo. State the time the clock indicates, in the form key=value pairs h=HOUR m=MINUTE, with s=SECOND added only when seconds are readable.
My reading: h=3 m=43 s=31
